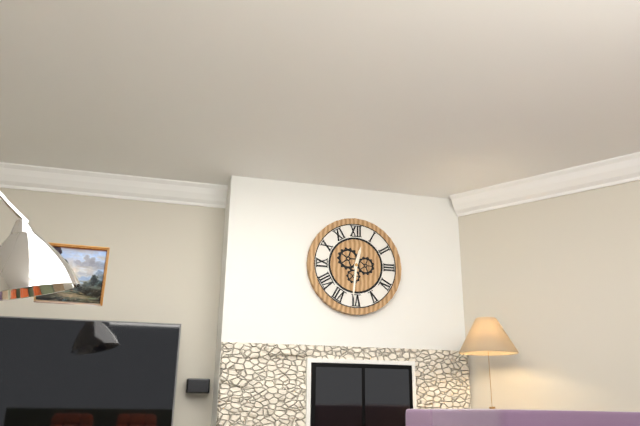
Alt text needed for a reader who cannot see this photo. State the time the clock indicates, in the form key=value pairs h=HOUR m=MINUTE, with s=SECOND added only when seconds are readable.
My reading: h=12 m=31
